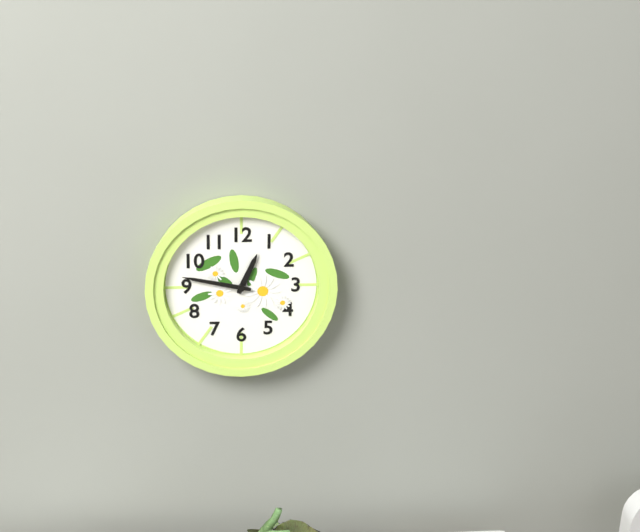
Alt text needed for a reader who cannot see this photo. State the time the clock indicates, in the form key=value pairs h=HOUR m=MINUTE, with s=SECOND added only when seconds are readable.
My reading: h=12 m=47
